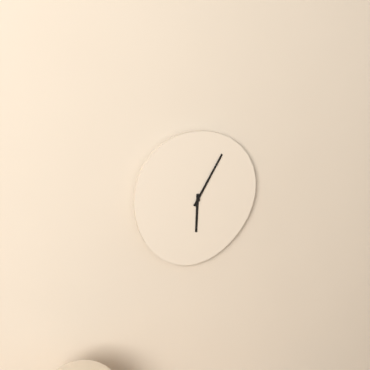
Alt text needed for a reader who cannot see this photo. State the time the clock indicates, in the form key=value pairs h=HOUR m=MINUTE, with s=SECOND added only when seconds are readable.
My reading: h=6 m=5
